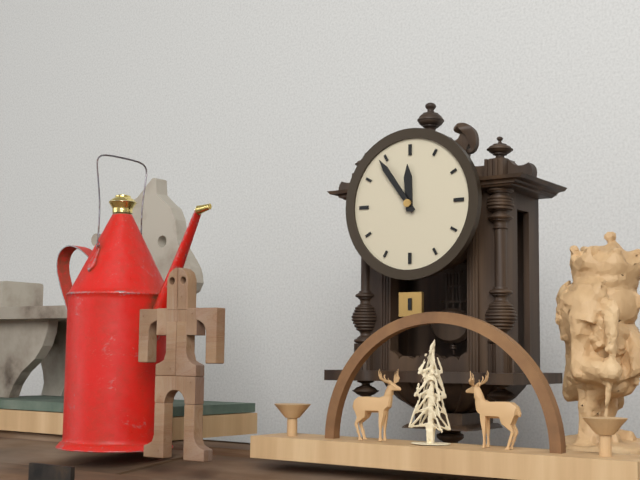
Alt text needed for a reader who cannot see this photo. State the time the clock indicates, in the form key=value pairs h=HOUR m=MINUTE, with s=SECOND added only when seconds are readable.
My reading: h=11 m=54
